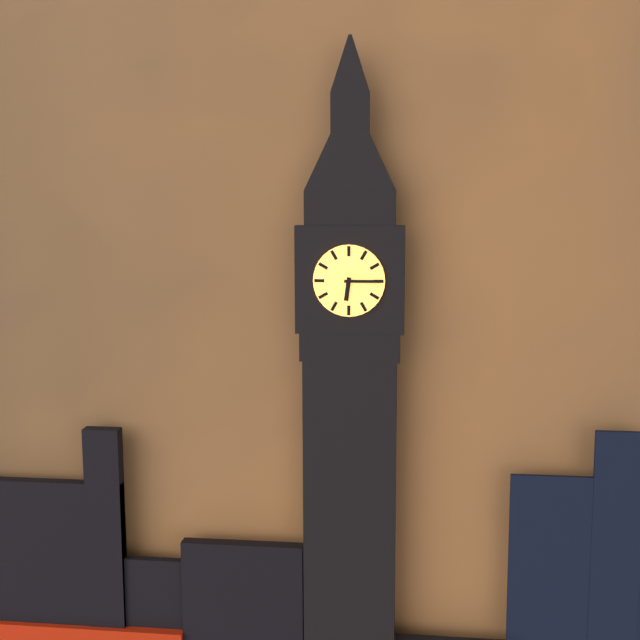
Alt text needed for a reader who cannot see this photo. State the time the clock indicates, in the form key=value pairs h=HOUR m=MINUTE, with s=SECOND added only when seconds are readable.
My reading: h=6 m=15
